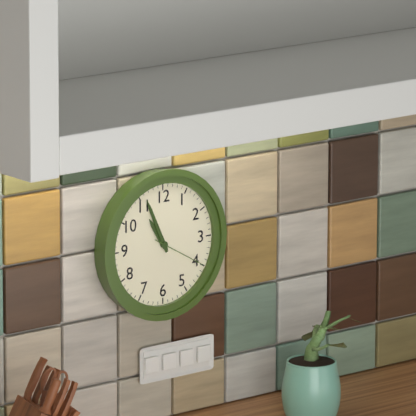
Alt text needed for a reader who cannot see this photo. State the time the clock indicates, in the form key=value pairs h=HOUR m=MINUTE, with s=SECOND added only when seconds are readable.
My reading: h=10 m=56 s=20
